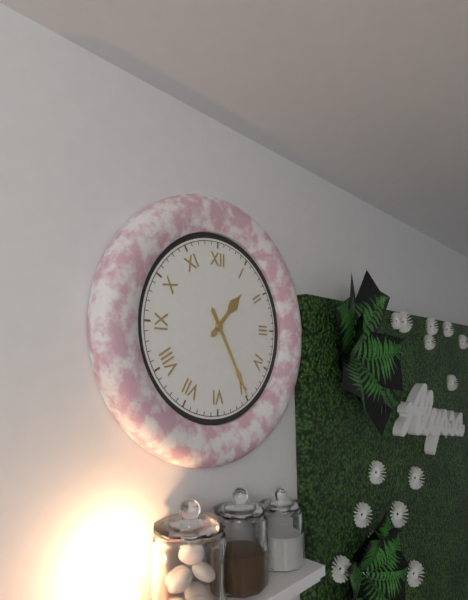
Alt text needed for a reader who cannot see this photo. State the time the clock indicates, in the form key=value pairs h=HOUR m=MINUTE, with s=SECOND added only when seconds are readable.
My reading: h=1 m=25
